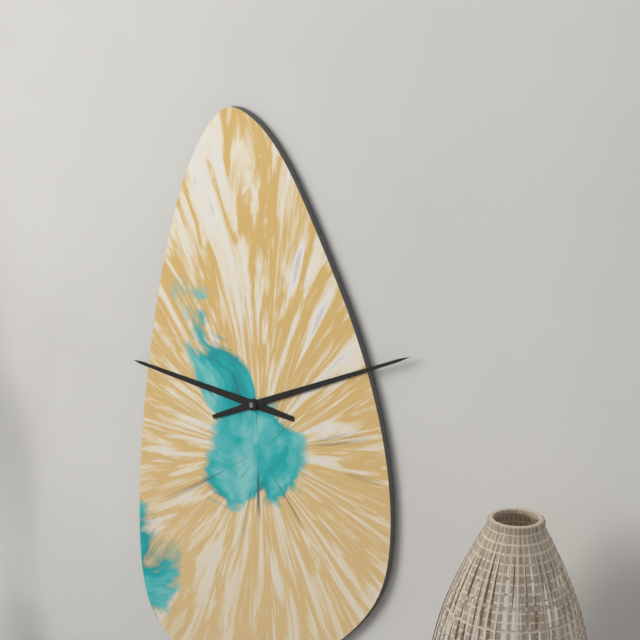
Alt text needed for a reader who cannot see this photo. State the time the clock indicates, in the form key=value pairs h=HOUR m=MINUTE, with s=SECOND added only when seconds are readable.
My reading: h=9 m=11
